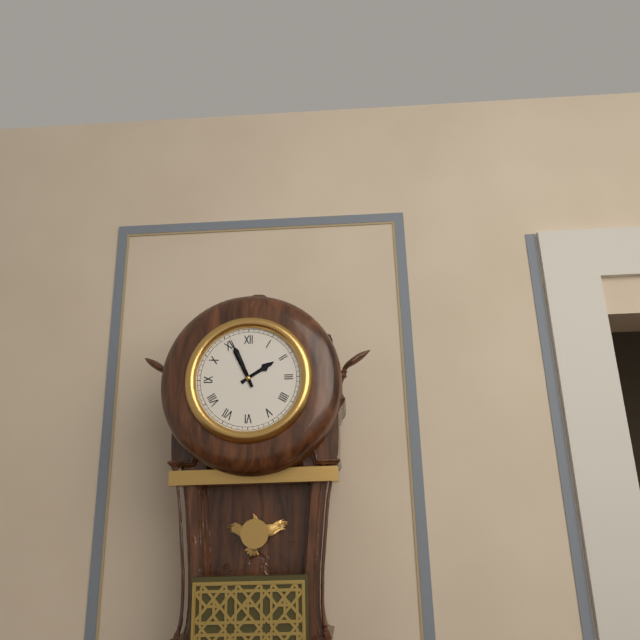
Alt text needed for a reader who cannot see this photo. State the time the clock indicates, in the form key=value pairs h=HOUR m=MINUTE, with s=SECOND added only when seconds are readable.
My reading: h=1 m=56
